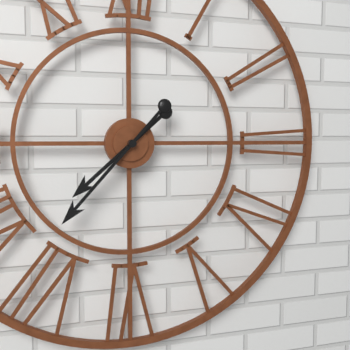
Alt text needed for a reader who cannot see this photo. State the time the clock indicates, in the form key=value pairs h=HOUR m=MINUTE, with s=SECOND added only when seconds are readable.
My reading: h=7 m=37
